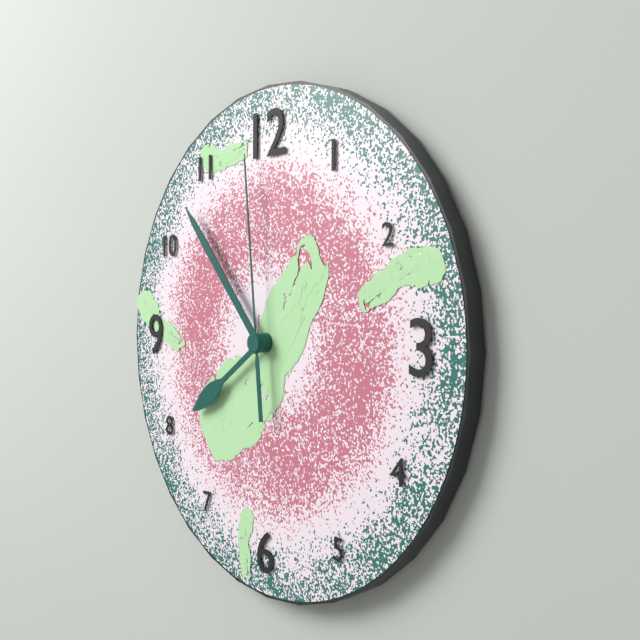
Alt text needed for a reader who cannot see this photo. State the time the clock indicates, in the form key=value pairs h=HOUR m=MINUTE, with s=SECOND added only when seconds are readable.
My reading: h=7 m=53 s=59
